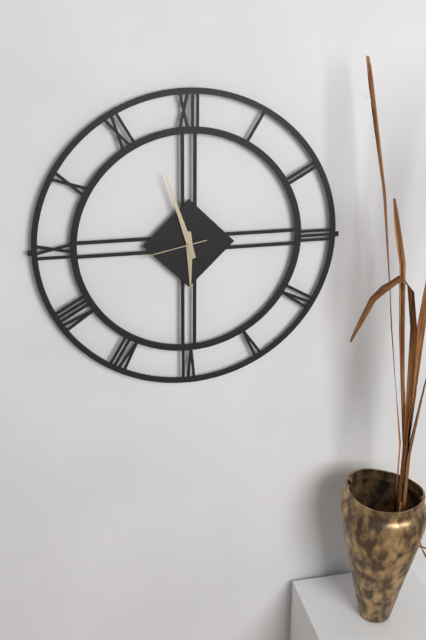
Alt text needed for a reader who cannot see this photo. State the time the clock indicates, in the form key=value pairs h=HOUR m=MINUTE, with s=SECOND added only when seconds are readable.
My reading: h=5 m=57 s=43
